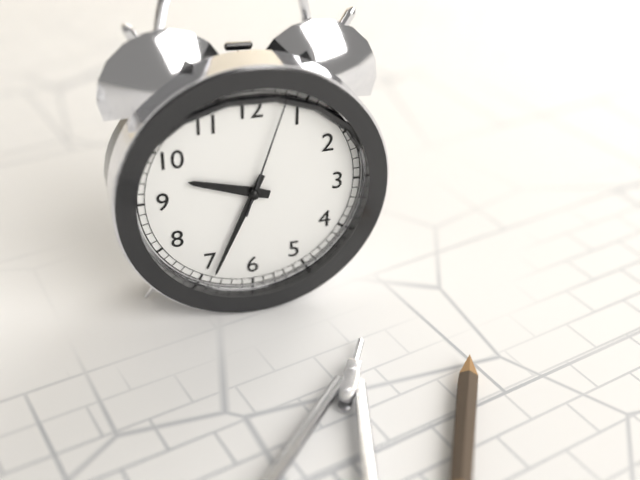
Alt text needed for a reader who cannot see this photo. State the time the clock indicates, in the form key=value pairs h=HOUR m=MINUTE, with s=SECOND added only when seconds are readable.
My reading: h=9 m=34 s=3
